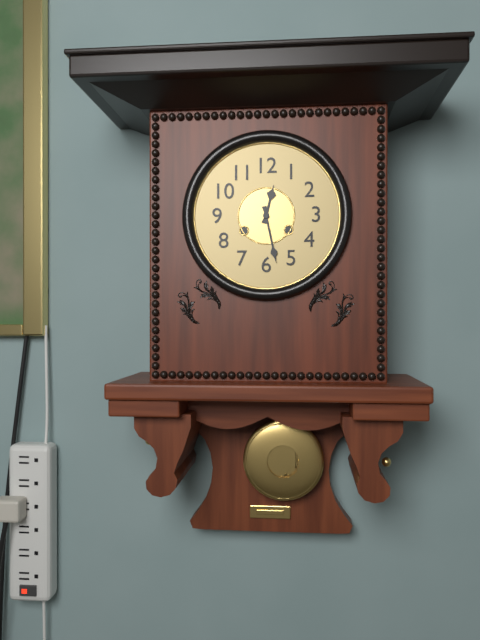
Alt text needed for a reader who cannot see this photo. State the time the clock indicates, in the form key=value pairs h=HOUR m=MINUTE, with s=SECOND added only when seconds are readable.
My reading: h=12 m=28
